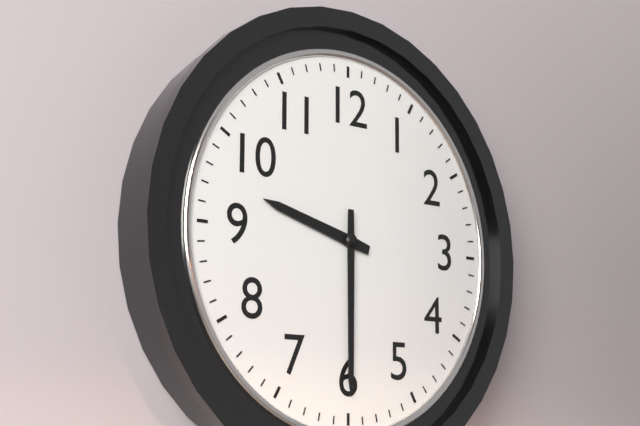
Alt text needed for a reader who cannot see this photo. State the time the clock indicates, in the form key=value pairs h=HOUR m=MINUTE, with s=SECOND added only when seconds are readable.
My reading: h=9 m=30
